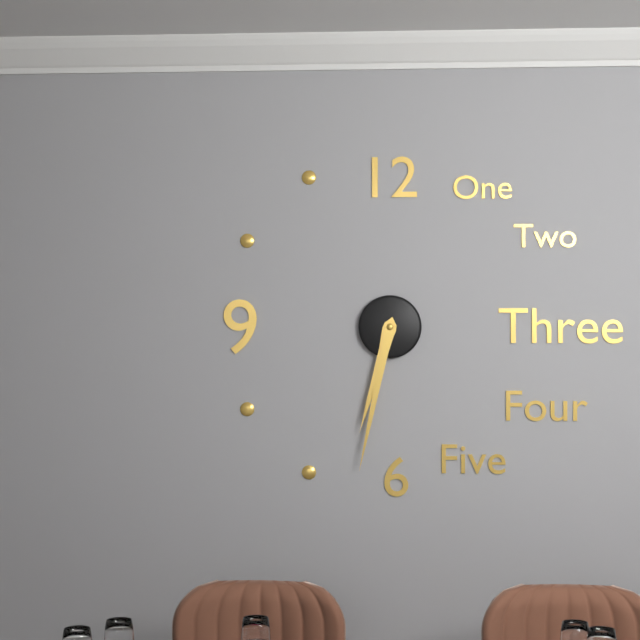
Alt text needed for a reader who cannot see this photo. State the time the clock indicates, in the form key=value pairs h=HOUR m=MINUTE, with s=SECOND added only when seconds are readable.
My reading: h=6 m=32
